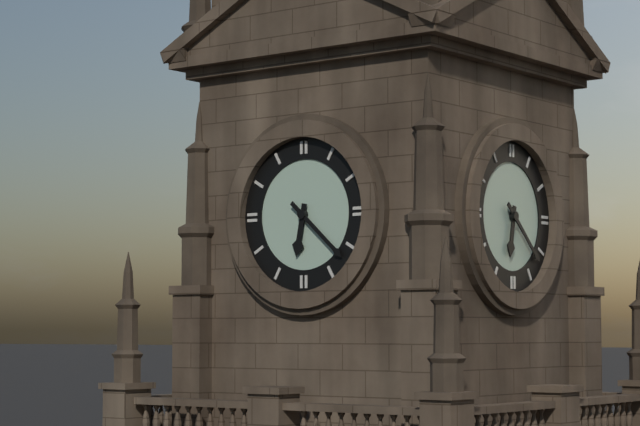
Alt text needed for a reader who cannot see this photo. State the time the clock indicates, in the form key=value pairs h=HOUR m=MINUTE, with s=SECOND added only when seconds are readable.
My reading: h=6 m=22
